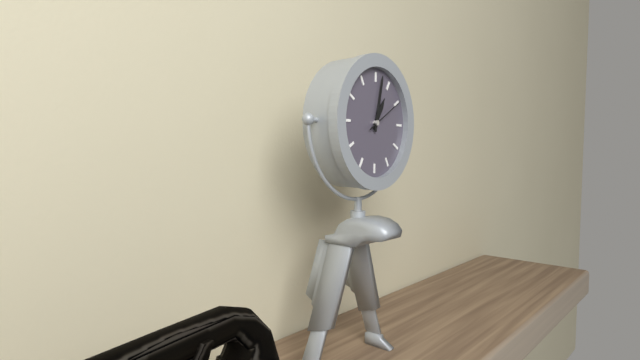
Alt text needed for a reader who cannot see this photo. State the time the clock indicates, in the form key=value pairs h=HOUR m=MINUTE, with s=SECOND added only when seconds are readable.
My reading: h=1 m=2
